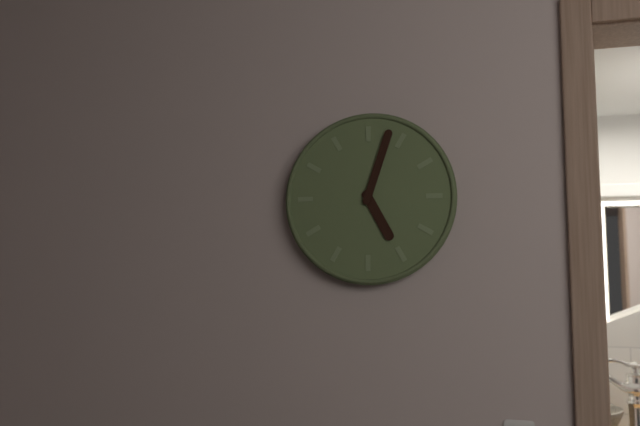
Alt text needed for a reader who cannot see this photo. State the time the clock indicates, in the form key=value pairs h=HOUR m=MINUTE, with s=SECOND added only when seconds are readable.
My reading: h=5 m=3
